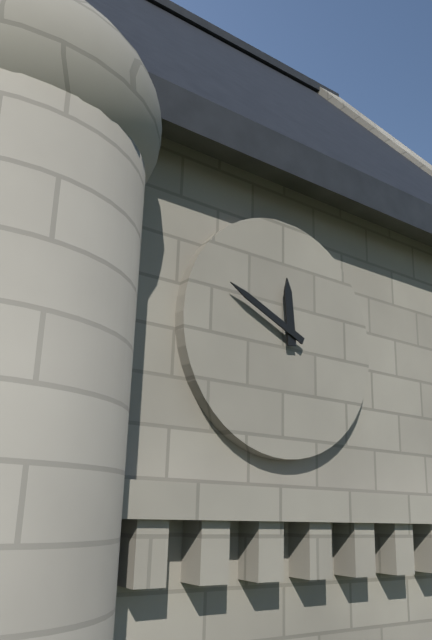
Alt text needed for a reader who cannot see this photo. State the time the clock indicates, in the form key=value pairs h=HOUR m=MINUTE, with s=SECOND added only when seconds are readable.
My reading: h=11 m=49
